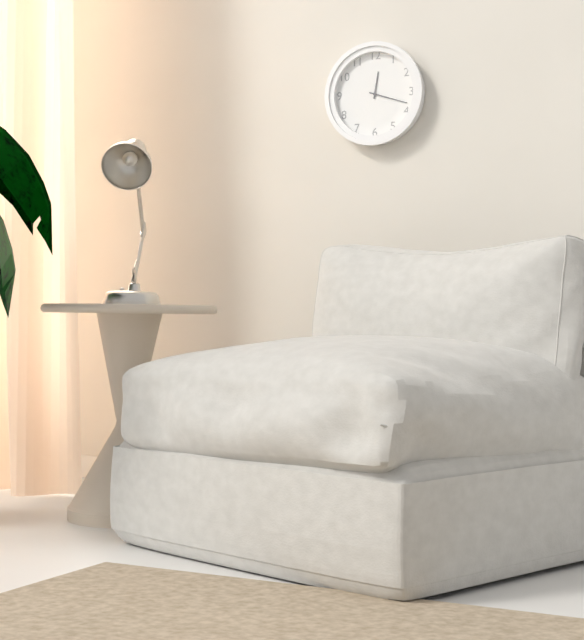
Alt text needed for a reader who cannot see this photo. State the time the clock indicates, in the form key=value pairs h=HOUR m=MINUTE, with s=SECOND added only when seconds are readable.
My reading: h=12 m=18
